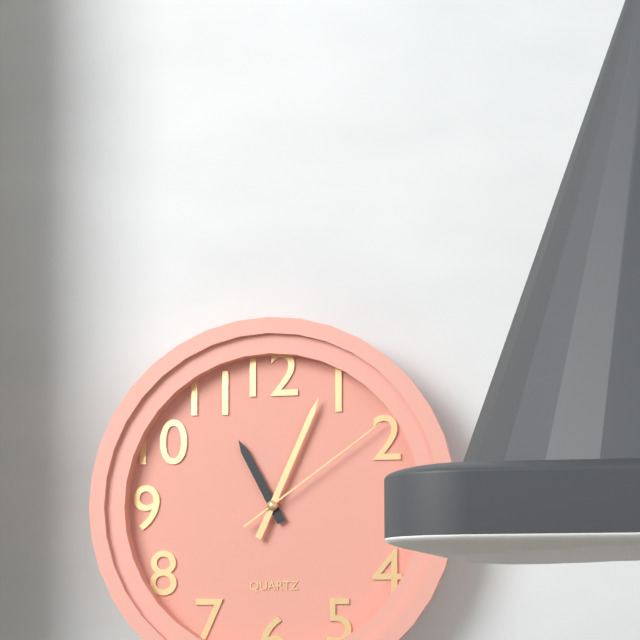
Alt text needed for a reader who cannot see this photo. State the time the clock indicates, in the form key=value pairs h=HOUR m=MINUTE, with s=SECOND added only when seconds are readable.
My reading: h=11 m=4 s=9
